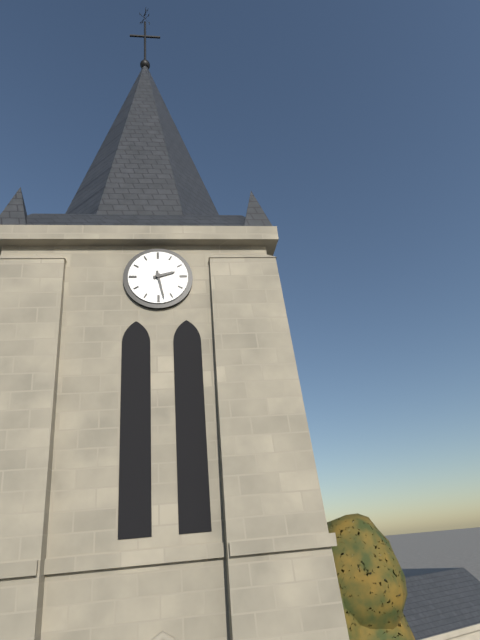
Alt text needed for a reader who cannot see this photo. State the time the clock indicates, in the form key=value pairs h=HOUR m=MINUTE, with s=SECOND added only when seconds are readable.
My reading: h=2 m=28
